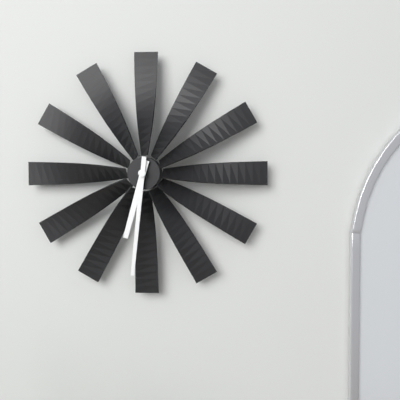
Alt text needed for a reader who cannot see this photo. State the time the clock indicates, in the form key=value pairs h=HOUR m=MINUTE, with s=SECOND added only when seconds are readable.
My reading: h=6 m=31
